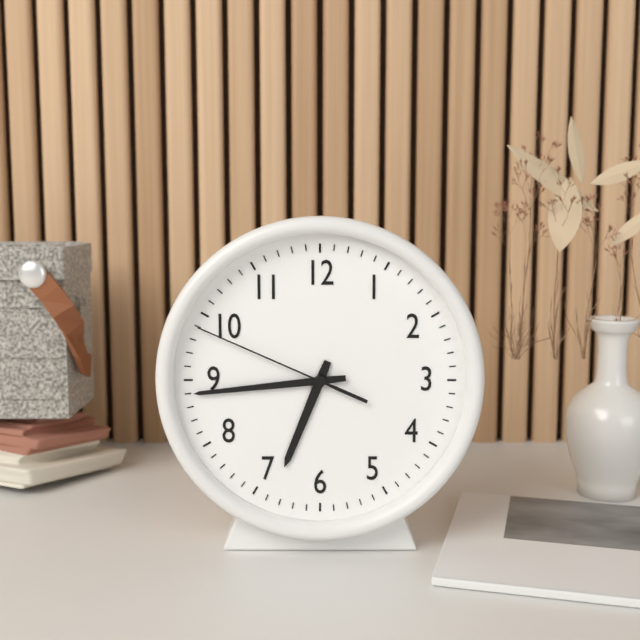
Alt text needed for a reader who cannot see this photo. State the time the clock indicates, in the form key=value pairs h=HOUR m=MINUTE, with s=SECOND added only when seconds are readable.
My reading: h=6 m=44 s=49
